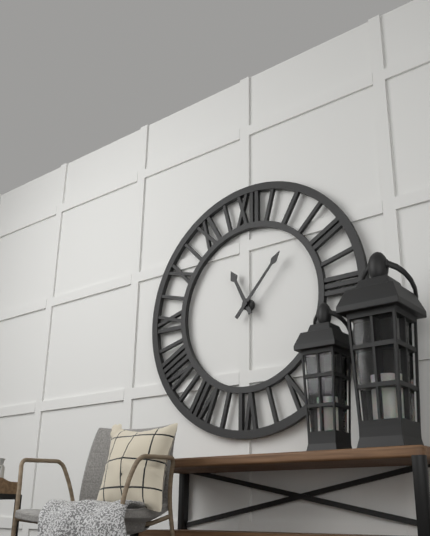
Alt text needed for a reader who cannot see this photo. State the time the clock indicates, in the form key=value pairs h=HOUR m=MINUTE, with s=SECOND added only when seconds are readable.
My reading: h=11 m=7
